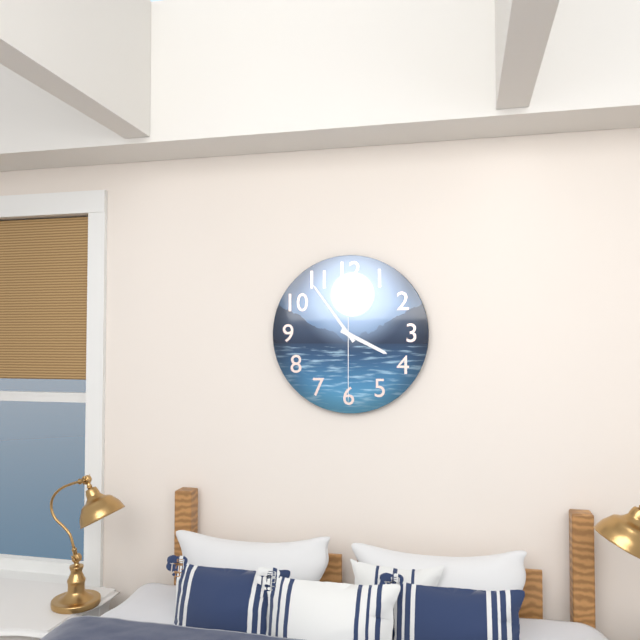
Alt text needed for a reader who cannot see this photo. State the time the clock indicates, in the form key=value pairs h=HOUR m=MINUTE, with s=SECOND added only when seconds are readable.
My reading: h=3 m=54 s=30
